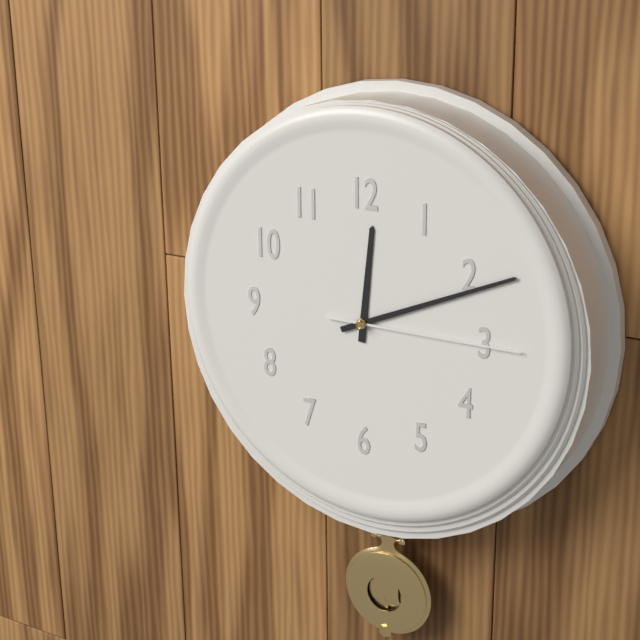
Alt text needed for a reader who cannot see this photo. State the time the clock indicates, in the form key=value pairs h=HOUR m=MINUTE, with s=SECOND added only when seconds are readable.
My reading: h=12 m=11 s=15
